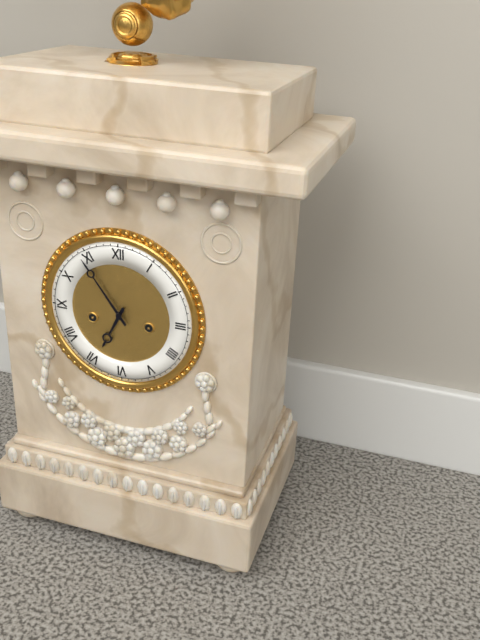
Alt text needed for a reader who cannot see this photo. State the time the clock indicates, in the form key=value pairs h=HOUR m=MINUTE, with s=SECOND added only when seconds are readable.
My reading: h=6 m=54
